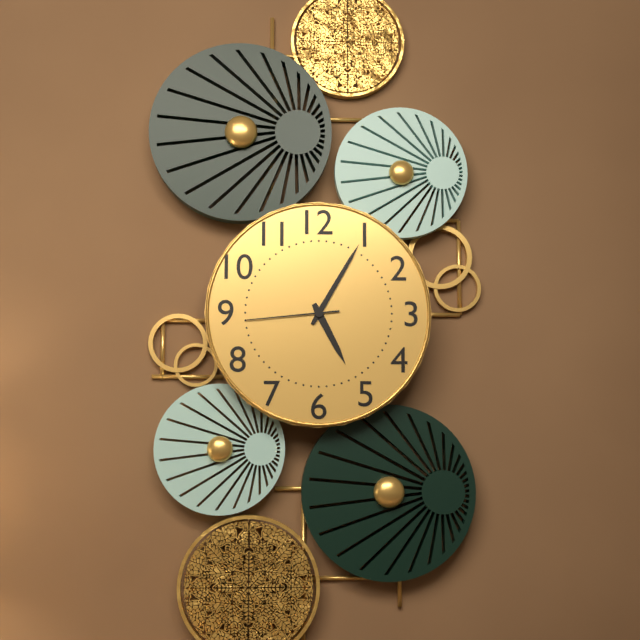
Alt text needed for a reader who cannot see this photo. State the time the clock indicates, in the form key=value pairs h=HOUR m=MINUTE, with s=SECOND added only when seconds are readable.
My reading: h=5 m=5 s=44
